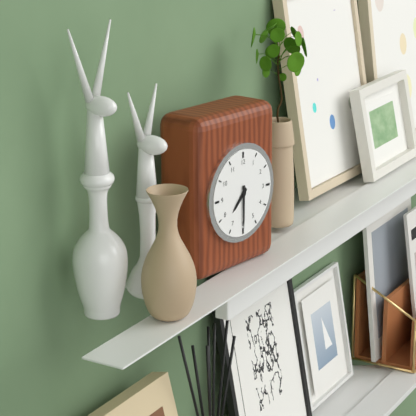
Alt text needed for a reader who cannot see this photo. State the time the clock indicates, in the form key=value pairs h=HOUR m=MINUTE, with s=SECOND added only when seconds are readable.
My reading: h=7 m=30
